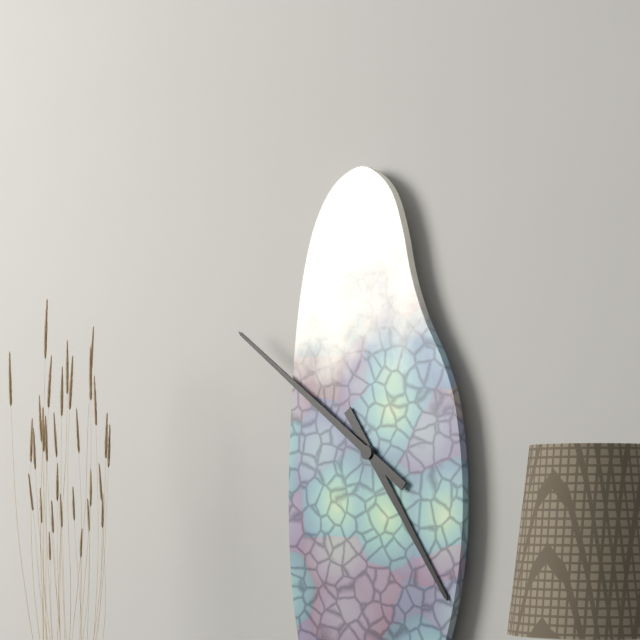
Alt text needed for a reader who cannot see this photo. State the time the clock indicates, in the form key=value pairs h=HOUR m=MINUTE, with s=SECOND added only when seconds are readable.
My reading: h=4 m=51
